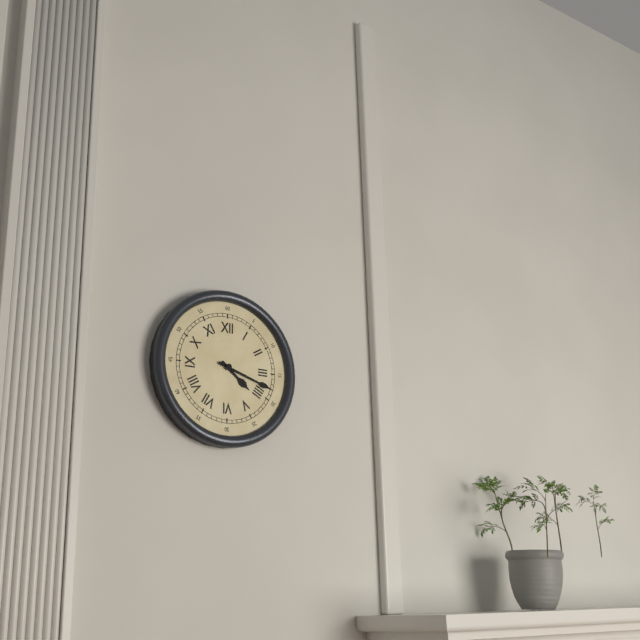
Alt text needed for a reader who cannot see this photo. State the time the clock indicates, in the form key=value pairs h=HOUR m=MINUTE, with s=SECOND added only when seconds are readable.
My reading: h=4 m=18
